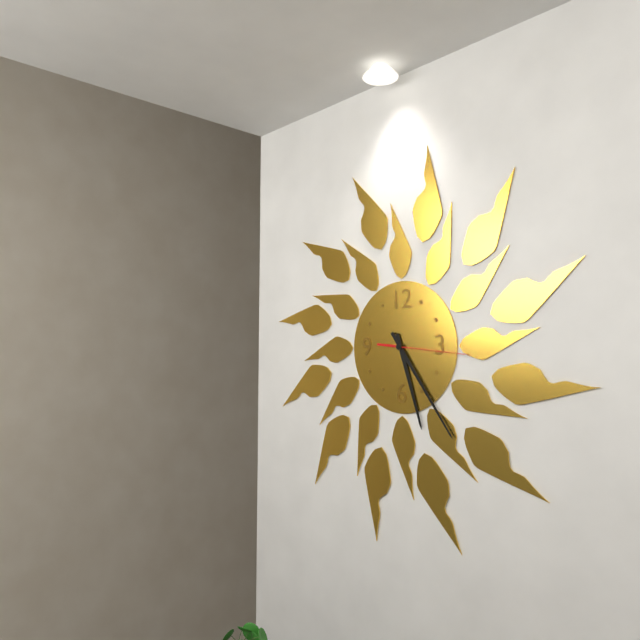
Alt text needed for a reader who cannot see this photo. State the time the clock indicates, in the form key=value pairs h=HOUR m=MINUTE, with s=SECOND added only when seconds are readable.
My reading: h=5 m=24 s=16
